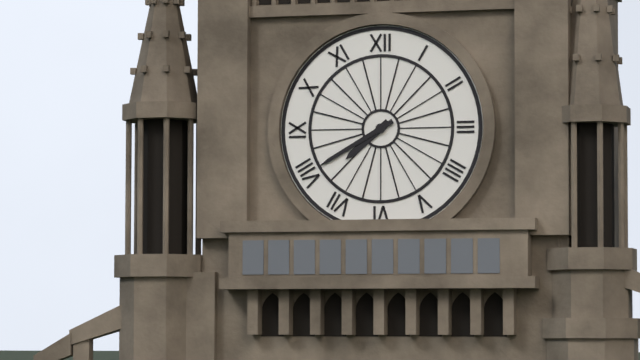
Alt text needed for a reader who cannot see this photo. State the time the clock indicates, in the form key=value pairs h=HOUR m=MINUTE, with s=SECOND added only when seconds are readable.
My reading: h=7 m=40
